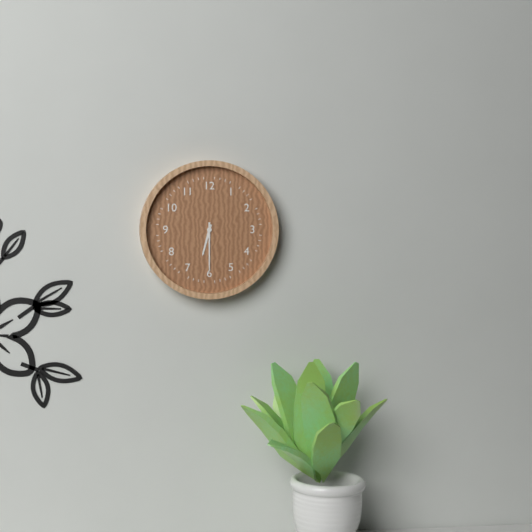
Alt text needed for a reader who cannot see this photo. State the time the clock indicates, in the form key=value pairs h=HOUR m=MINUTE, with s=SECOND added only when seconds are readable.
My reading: h=6 m=30
